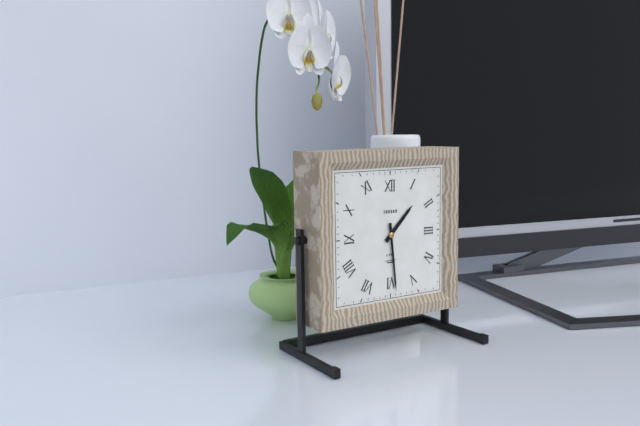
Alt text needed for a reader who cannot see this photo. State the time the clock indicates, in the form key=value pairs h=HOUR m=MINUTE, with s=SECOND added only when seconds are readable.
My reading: h=1 m=29
